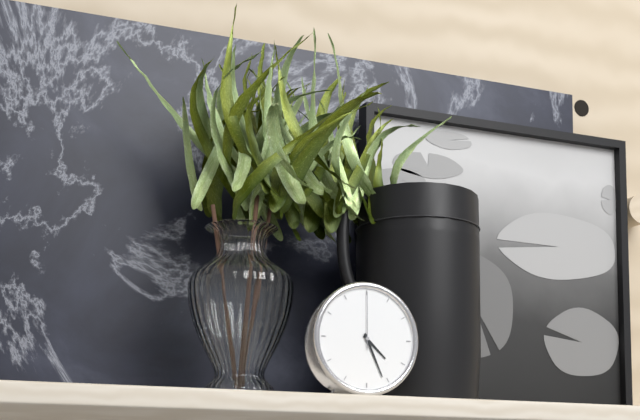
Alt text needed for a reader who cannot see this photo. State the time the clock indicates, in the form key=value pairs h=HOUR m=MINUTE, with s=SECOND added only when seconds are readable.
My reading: h=4 m=26 s=0
